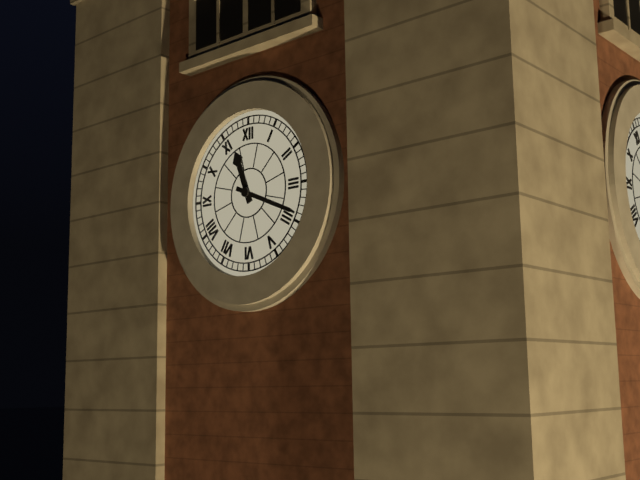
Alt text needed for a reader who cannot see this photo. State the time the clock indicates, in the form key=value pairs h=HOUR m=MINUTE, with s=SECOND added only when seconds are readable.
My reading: h=11 m=19
